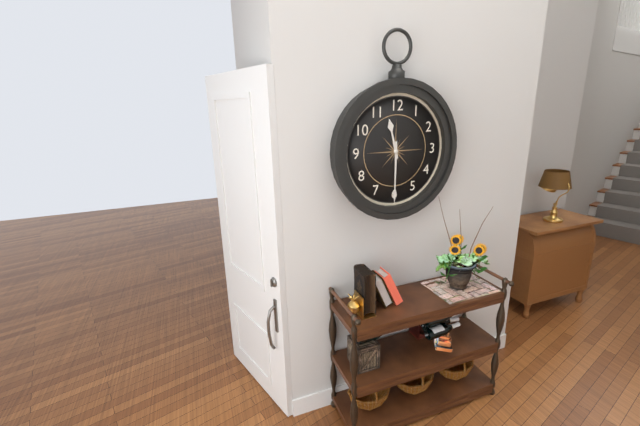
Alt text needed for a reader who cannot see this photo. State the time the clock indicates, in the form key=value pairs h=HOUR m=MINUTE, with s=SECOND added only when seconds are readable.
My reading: h=11 m=30
